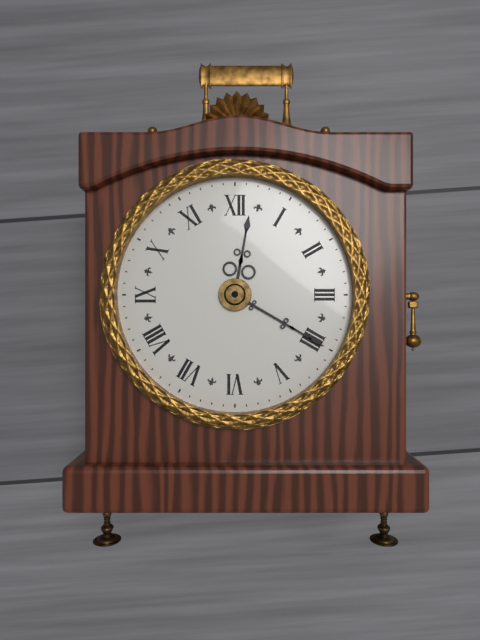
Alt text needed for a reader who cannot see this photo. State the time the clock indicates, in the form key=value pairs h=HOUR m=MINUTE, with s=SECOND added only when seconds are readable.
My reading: h=12 m=20
